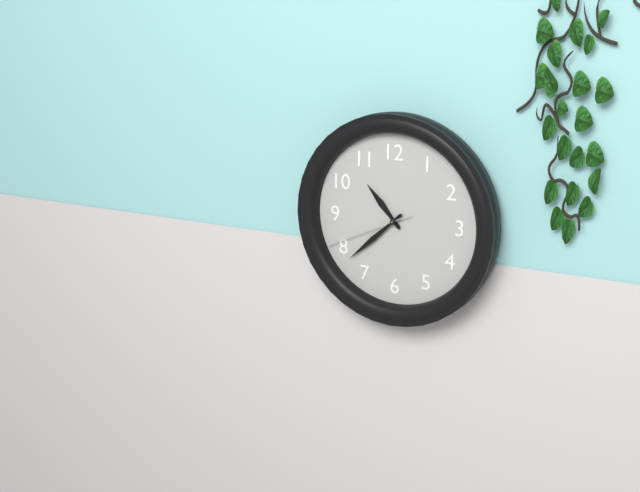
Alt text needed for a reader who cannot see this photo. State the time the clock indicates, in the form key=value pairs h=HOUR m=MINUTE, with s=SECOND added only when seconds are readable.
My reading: h=10 m=38 s=41
